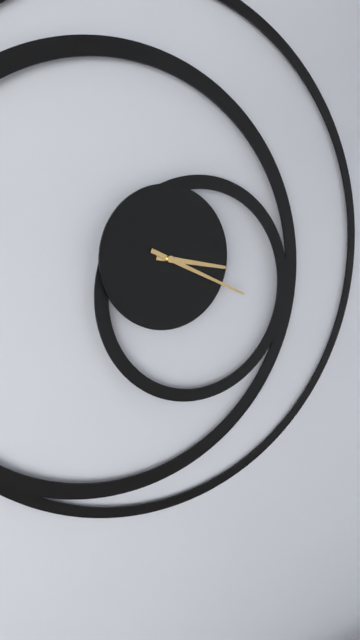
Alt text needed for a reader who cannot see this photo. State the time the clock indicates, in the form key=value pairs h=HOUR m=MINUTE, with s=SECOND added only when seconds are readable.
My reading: h=3 m=19
